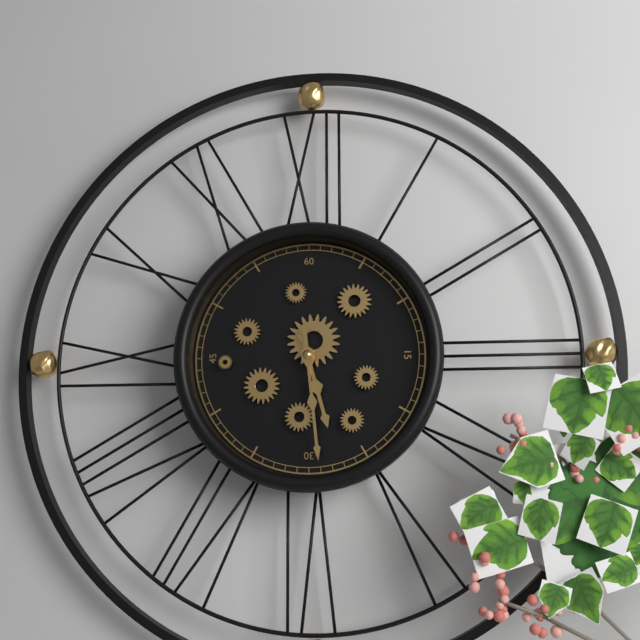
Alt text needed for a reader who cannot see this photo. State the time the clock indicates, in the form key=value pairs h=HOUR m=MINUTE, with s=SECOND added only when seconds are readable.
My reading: h=5 m=29
